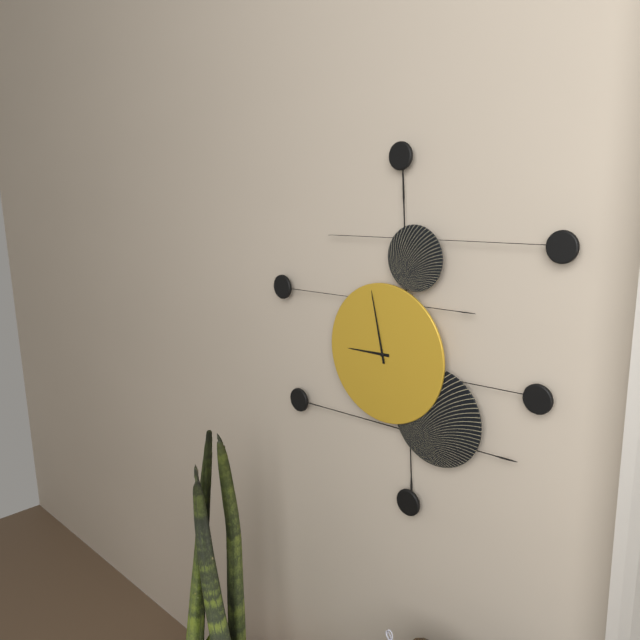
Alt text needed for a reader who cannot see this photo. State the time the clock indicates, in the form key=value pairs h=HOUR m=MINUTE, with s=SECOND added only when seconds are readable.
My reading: h=8 m=58
